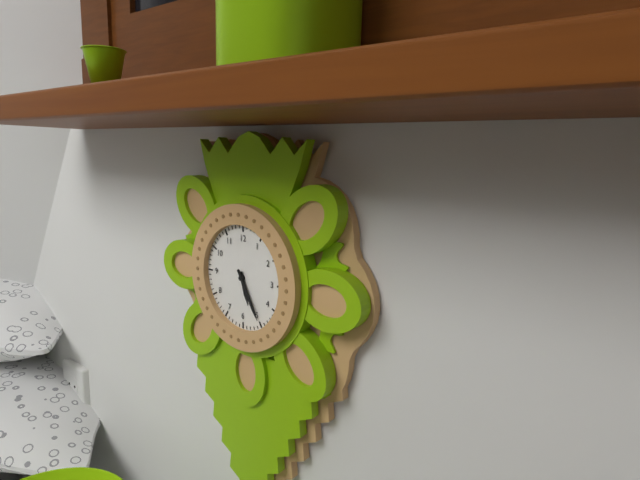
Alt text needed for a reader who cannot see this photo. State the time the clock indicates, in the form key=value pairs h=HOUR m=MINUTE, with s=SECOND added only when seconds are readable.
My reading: h=5 m=25
